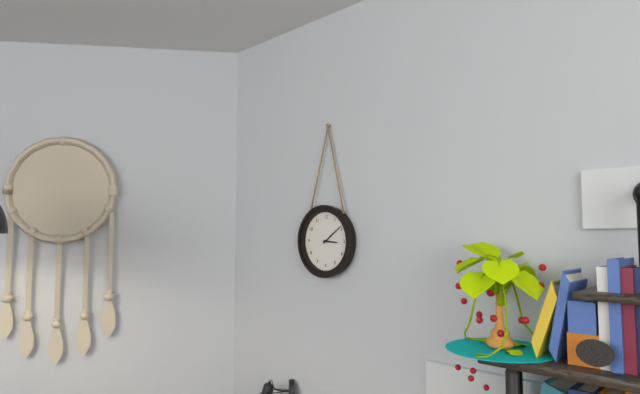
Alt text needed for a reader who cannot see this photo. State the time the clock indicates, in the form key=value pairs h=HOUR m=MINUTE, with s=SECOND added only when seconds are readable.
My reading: h=3 m=9
